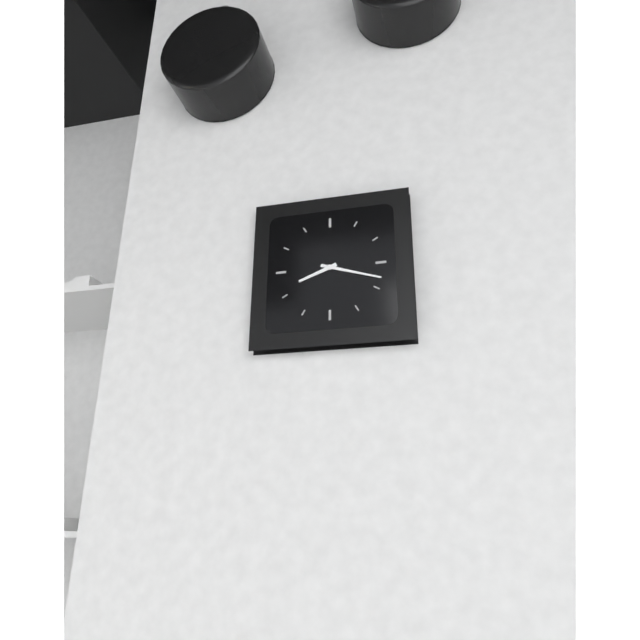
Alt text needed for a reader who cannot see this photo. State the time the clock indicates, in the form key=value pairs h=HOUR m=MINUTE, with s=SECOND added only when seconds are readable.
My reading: h=8 m=18
